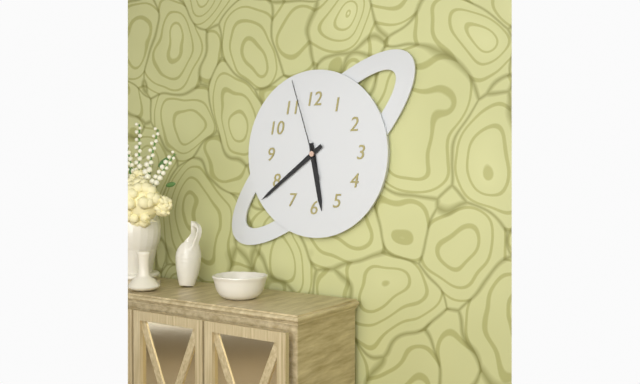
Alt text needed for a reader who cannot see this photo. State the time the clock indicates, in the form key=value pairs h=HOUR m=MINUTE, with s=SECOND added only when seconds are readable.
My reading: h=5 m=39 s=57
